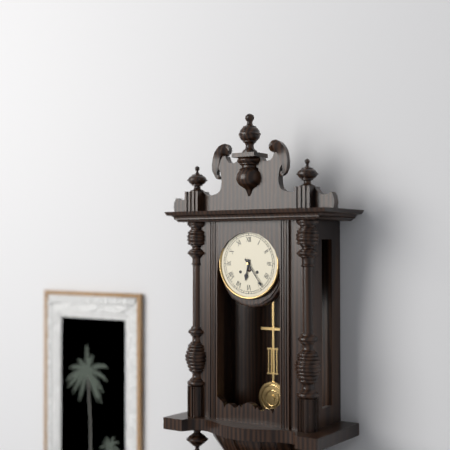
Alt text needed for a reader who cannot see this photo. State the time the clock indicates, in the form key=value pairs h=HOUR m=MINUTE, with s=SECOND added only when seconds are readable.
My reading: h=6 m=24
